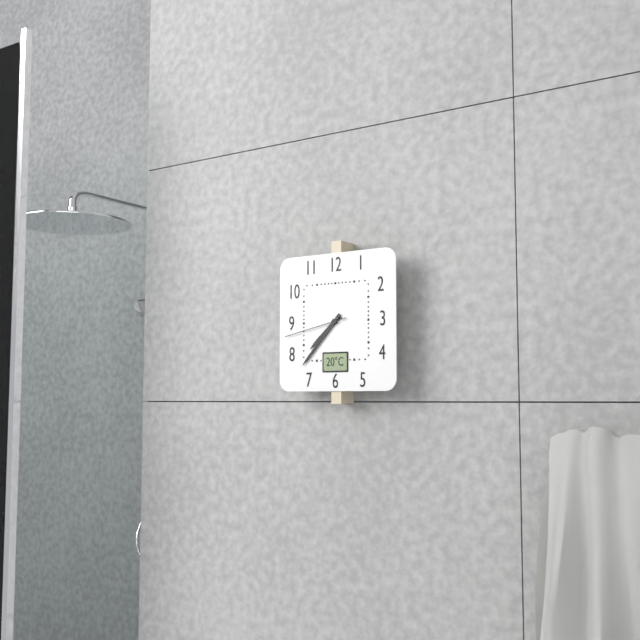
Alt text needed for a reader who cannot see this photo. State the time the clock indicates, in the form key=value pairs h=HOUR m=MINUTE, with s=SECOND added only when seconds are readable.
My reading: h=7 m=37 s=43
